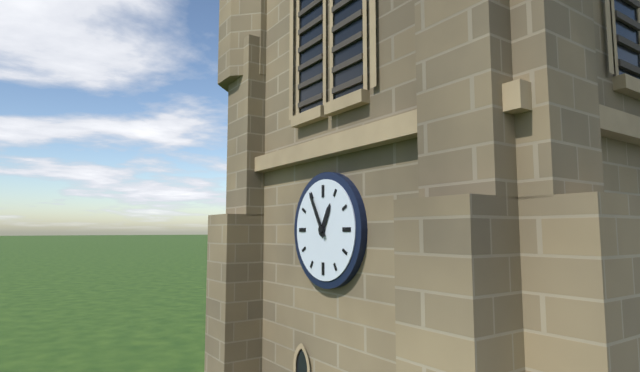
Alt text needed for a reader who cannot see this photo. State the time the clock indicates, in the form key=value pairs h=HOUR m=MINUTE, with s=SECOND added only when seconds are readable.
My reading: h=12 m=55
